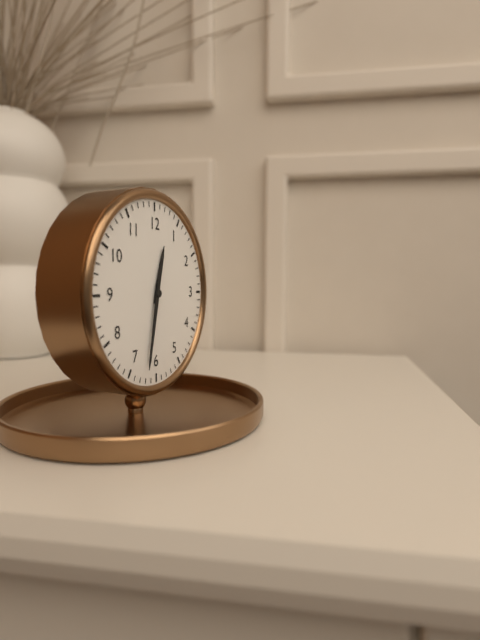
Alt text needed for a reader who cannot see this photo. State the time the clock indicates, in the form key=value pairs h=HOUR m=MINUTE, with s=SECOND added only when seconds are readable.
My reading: h=12 m=32
